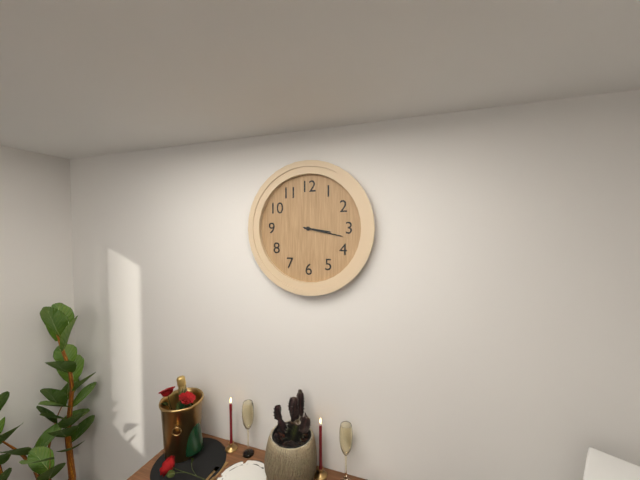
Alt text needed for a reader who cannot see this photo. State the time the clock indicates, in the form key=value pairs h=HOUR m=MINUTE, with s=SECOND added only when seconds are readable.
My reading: h=3 m=17
